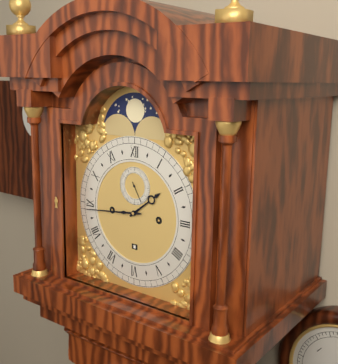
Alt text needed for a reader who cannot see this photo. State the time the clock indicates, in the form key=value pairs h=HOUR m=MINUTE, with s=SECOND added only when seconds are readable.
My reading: h=1 m=44
